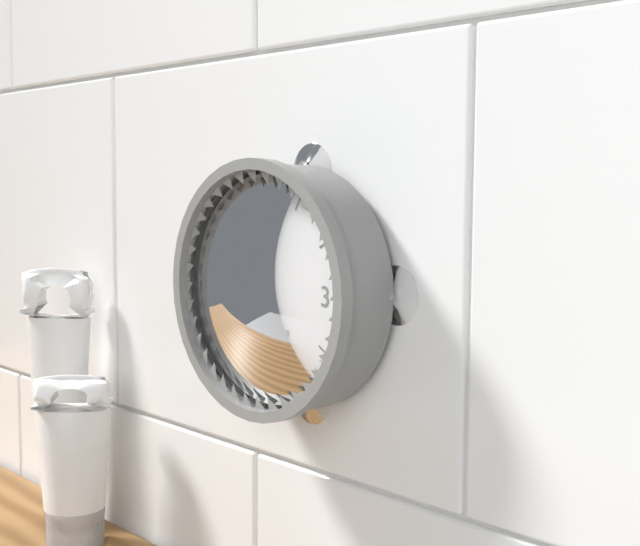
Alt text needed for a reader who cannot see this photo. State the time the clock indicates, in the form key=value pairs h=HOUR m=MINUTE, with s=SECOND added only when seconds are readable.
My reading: h=6 m=35
